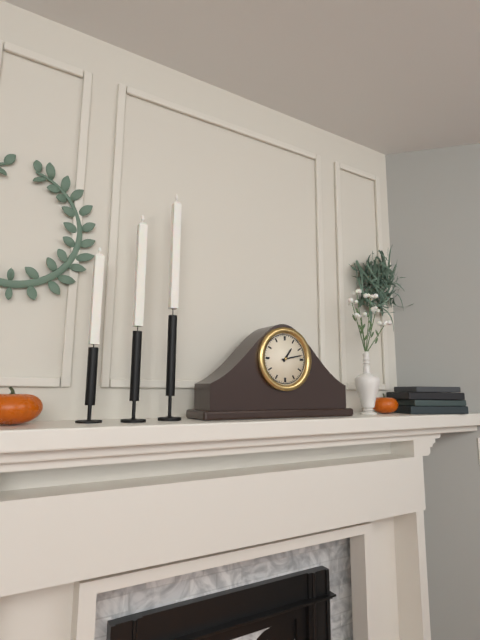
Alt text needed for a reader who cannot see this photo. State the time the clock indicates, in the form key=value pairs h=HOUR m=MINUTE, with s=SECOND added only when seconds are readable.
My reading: h=1 m=13
